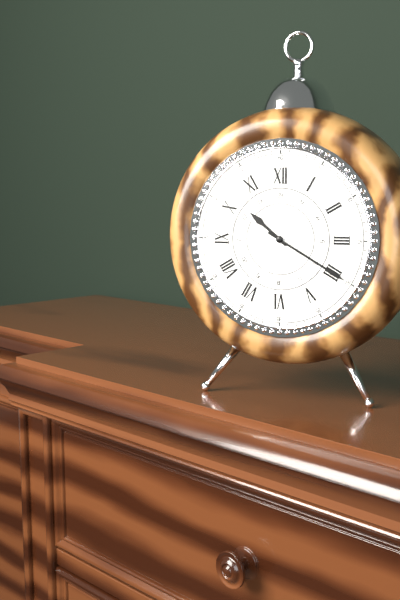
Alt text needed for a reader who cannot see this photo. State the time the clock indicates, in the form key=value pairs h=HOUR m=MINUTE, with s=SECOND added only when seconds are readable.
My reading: h=10 m=20
